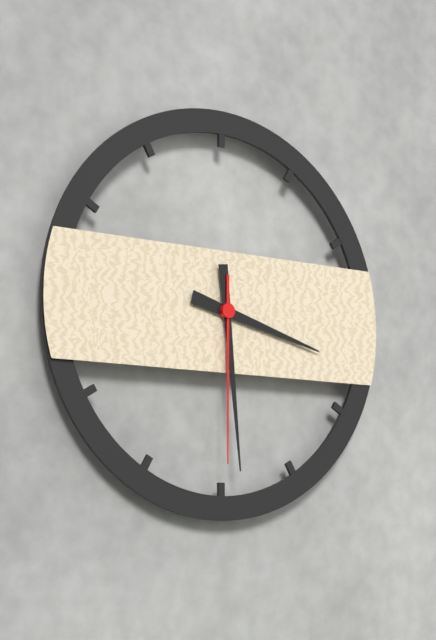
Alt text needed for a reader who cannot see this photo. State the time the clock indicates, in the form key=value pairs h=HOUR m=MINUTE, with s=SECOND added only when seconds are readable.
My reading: h=3 m=29 s=30
